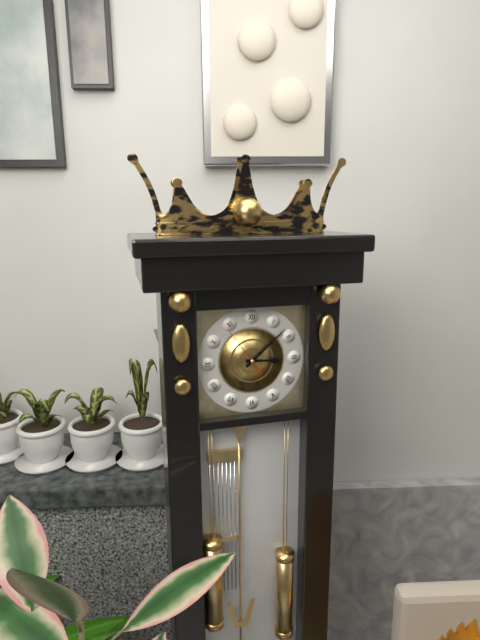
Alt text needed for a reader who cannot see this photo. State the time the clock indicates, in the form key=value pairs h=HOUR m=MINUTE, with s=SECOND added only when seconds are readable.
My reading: h=3 m=8 s=54
